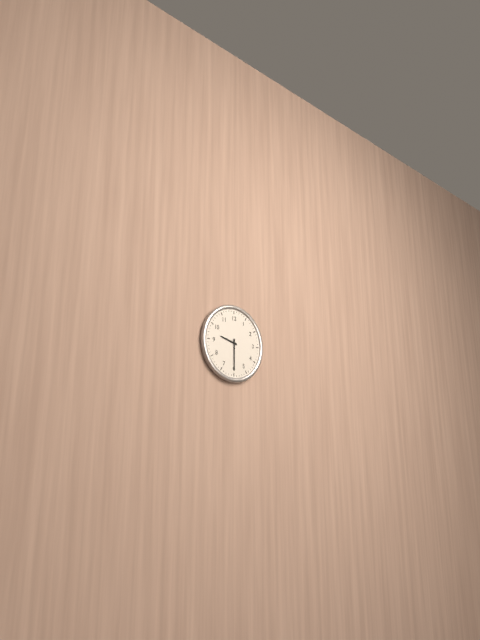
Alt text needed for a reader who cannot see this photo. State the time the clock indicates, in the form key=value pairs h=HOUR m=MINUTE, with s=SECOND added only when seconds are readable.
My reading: h=9 m=30
